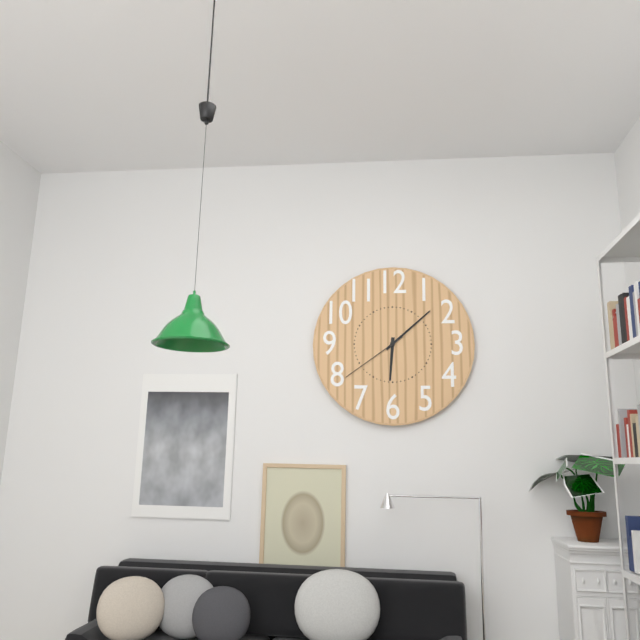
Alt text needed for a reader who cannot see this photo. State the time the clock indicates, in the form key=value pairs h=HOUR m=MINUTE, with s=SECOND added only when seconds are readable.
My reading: h=6 m=8 s=39
